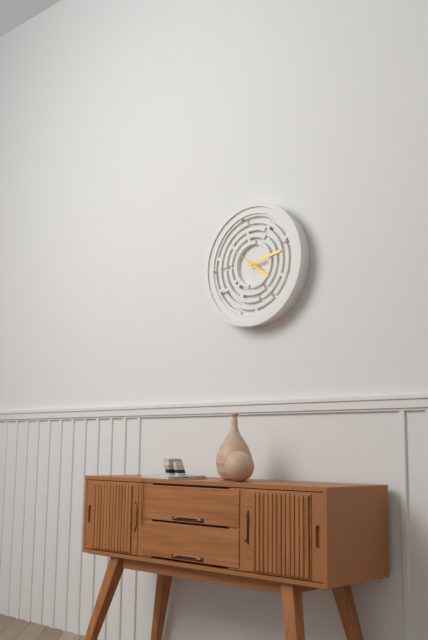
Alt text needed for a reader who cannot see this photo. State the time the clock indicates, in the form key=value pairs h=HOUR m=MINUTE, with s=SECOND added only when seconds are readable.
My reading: h=4 m=13
